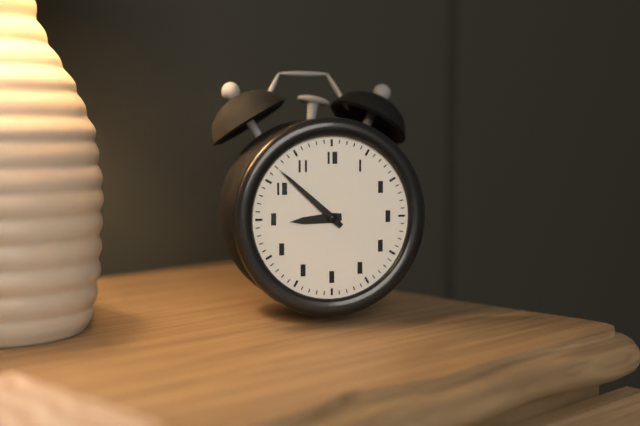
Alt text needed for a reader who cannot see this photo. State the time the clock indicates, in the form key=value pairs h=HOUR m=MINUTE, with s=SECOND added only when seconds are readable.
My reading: h=8 m=52
